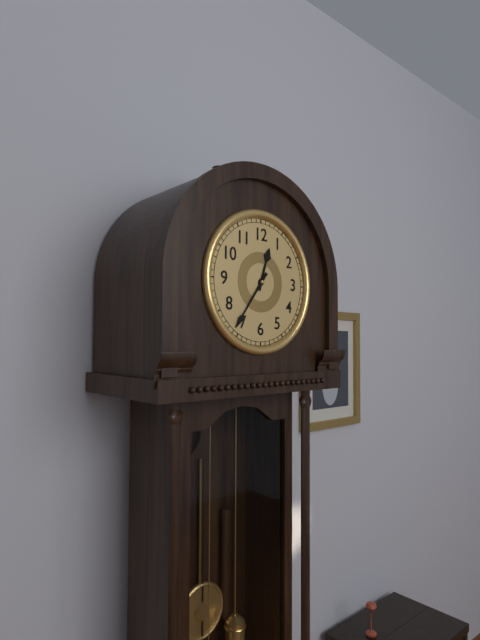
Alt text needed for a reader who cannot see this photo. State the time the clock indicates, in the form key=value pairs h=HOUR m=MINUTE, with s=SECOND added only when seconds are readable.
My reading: h=12 m=36
